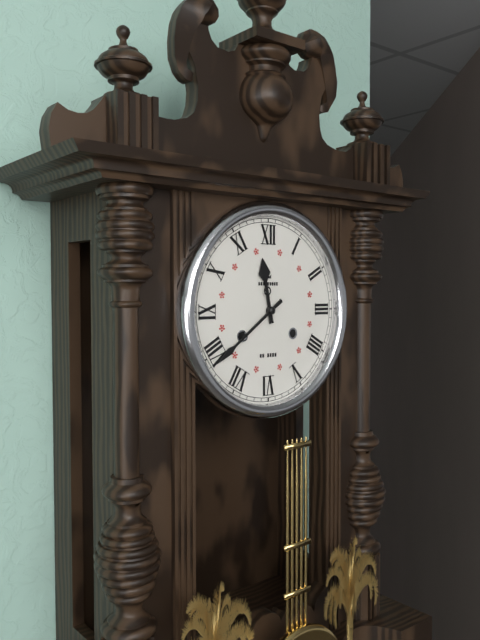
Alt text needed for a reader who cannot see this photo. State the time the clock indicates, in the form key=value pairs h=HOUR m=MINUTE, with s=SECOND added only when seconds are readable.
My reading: h=11 m=39
